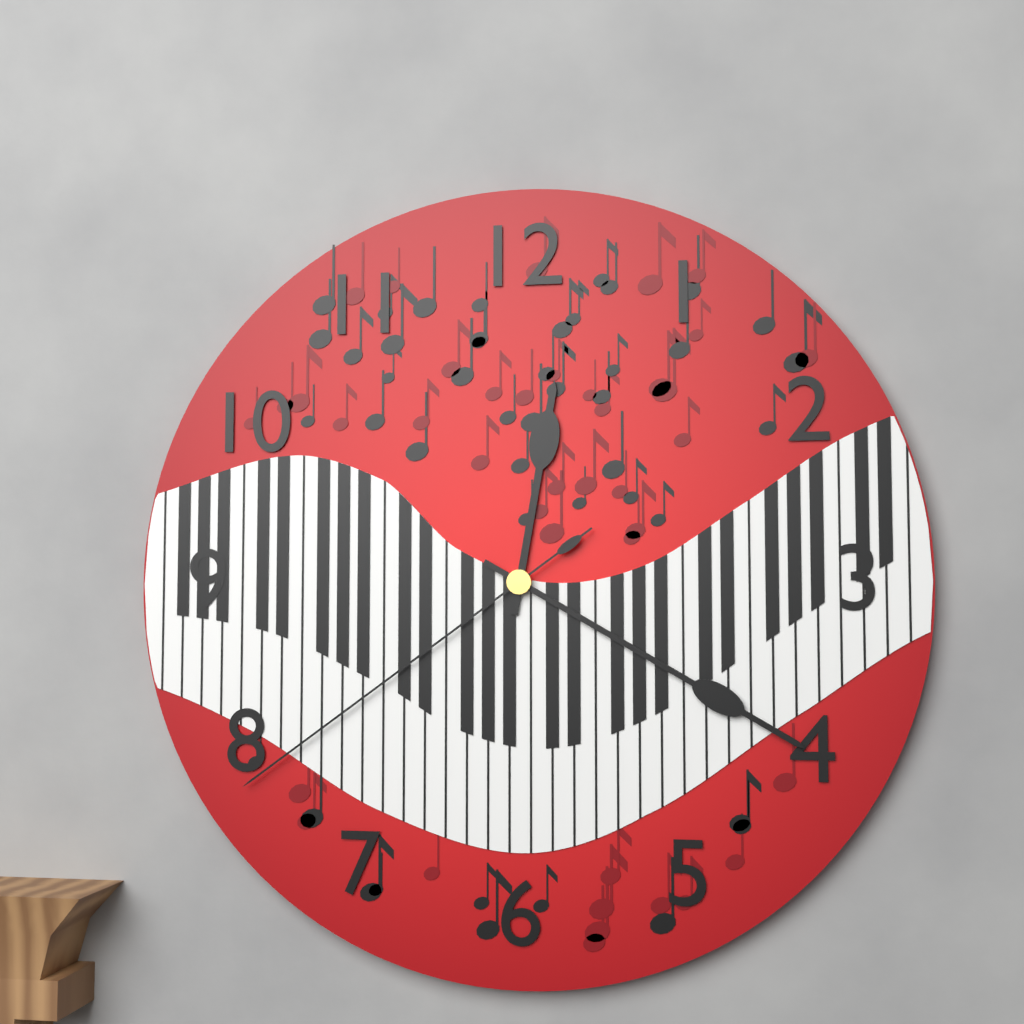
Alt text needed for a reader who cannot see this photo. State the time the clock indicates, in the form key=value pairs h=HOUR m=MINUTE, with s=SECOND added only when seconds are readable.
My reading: h=12 m=20 s=39
